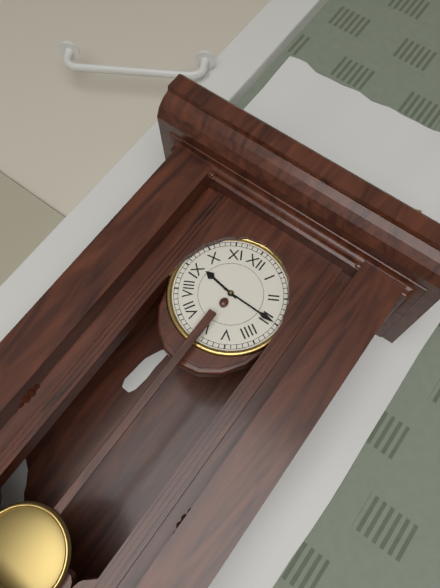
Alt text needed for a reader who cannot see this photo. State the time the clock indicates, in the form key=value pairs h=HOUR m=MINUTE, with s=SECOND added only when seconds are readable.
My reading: h=9 m=15
